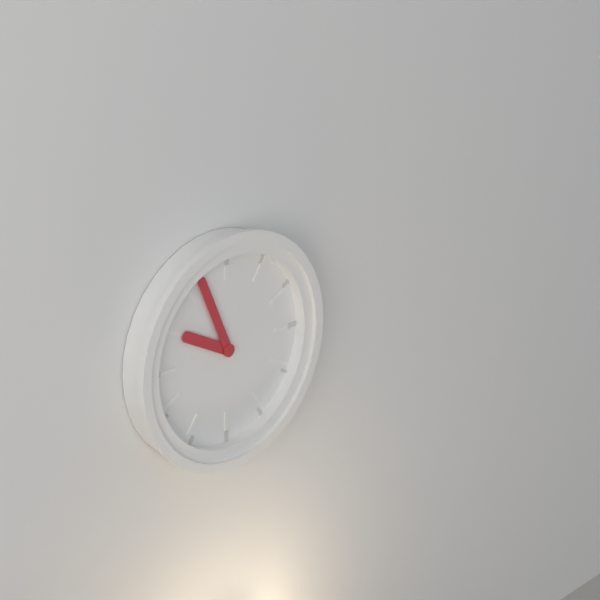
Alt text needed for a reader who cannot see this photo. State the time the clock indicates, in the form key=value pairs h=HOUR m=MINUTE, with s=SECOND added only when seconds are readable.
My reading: h=9 m=56
